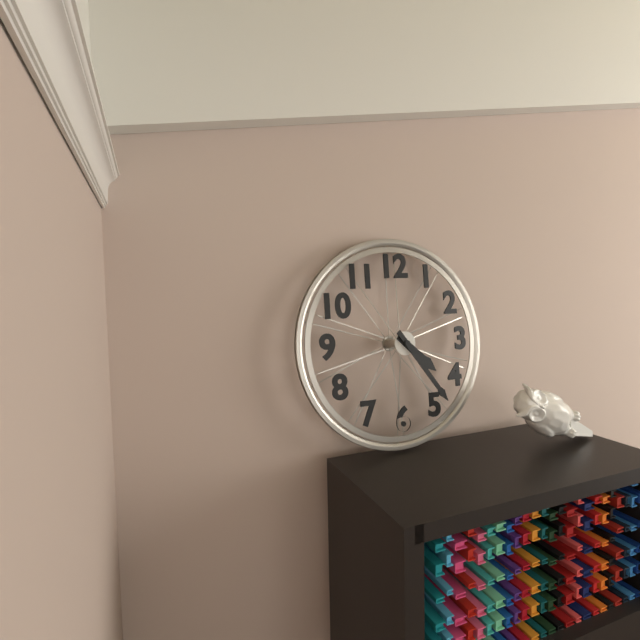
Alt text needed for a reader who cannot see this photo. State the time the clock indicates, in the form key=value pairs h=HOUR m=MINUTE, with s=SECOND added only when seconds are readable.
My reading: h=4 m=24
